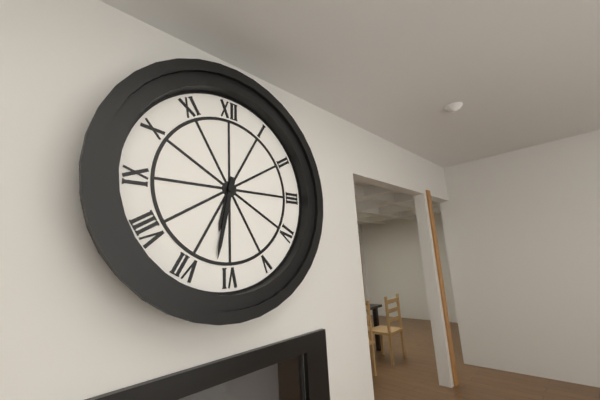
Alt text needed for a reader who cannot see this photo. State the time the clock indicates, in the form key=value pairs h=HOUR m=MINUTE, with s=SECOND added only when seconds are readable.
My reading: h=6 m=32
